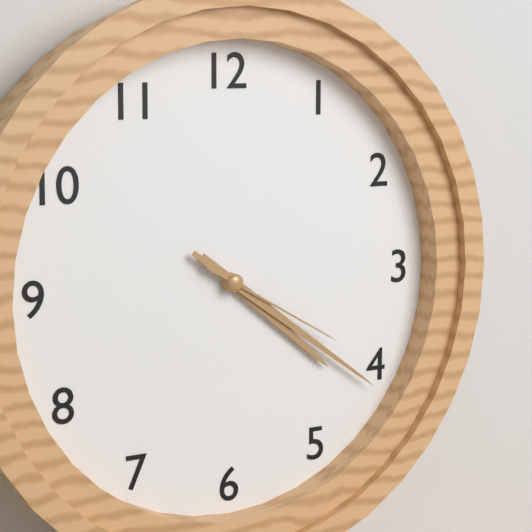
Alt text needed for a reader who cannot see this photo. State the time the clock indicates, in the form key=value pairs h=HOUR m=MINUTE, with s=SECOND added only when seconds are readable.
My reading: h=4 m=21 s=20
